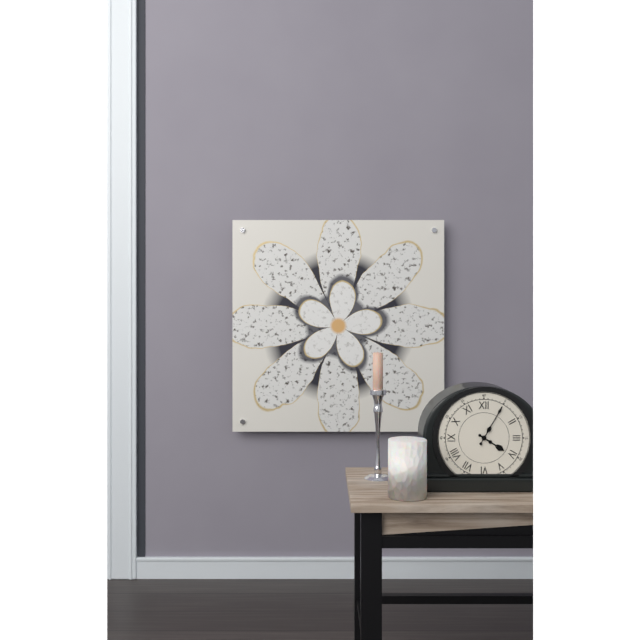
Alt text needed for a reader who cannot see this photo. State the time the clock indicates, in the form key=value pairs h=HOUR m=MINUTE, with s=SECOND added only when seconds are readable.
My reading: h=4 m=5
